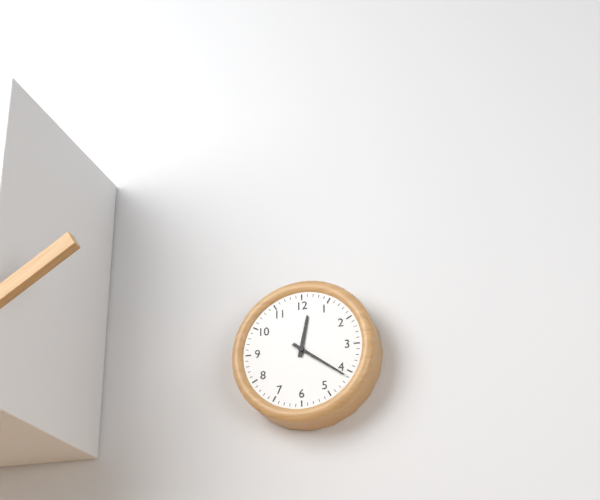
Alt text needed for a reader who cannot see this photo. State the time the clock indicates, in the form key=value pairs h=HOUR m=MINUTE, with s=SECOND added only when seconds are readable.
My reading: h=12 m=21
